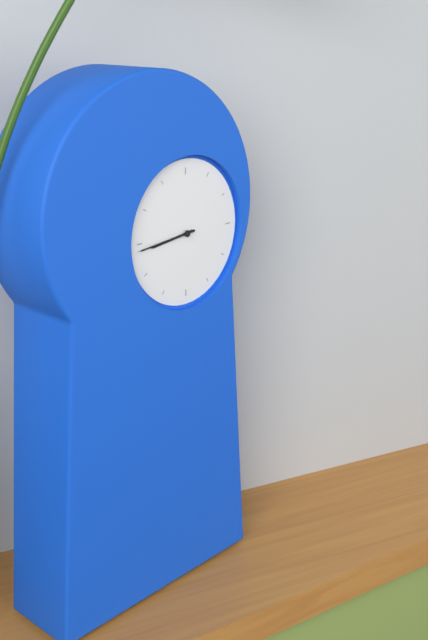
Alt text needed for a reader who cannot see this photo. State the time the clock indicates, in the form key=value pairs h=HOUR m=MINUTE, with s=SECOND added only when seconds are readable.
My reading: h=8 m=44
